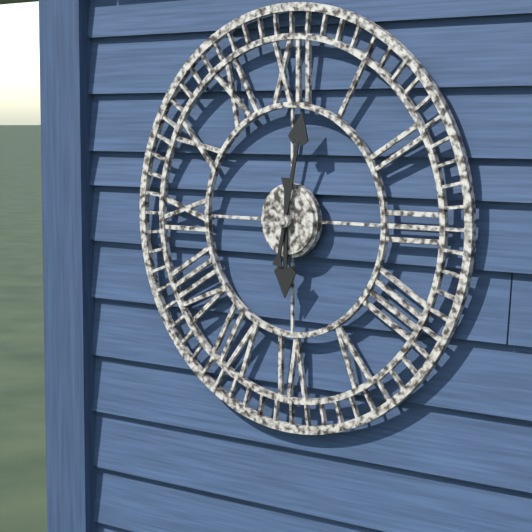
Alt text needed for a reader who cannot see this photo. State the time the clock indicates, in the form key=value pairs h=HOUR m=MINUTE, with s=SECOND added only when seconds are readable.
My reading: h=6 m=2
